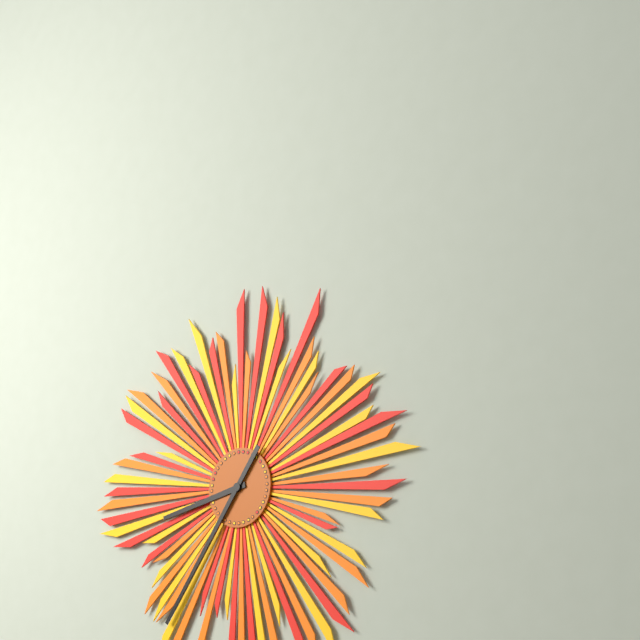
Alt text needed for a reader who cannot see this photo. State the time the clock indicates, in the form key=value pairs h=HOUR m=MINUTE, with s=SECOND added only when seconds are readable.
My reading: h=8 m=36
